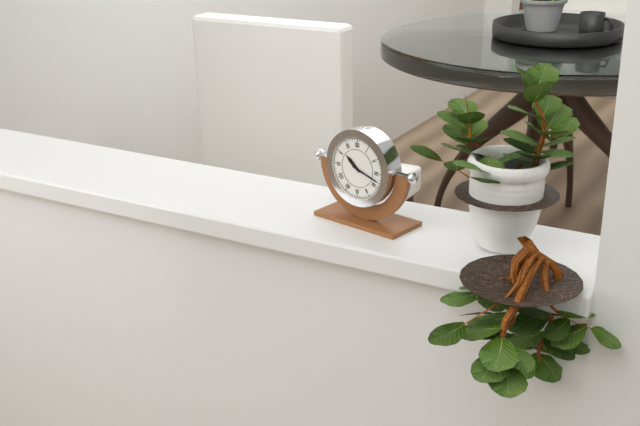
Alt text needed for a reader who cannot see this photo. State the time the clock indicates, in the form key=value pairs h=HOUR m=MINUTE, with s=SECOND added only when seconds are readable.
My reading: h=10 m=18
